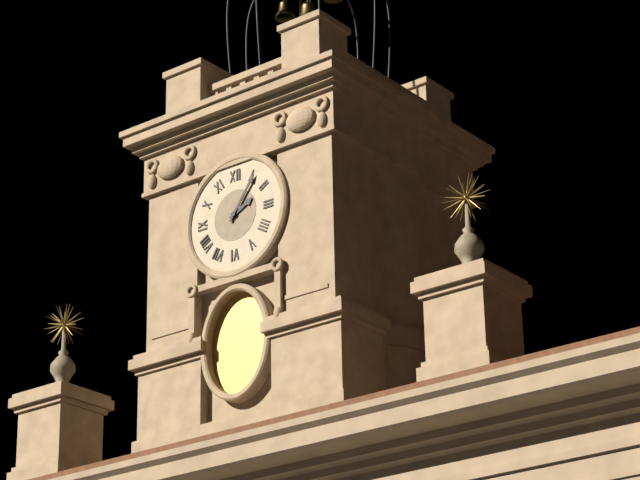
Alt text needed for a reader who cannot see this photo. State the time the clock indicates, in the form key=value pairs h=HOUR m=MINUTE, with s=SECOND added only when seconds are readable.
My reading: h=2 m=6
